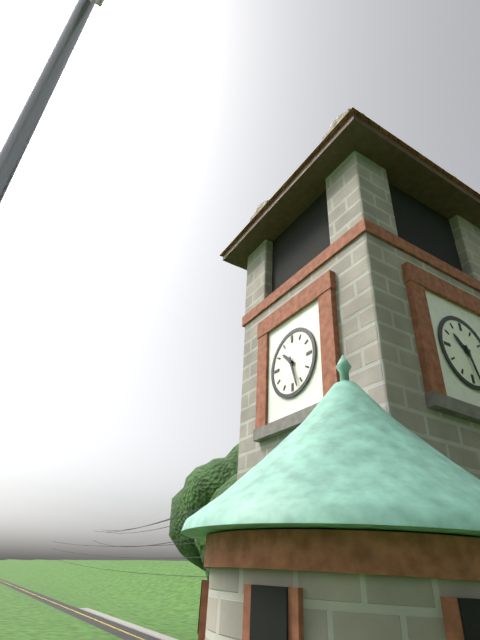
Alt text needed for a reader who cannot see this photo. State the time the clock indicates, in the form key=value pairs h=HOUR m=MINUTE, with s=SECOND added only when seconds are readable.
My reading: h=10 m=27
